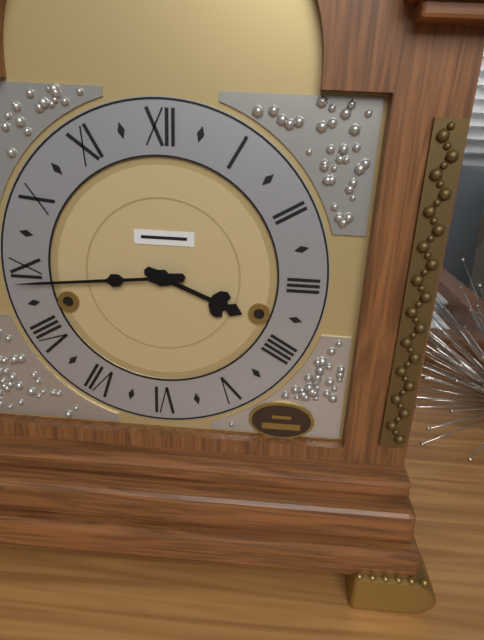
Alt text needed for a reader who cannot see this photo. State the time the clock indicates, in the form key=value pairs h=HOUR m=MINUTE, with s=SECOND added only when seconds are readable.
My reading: h=3 m=44
